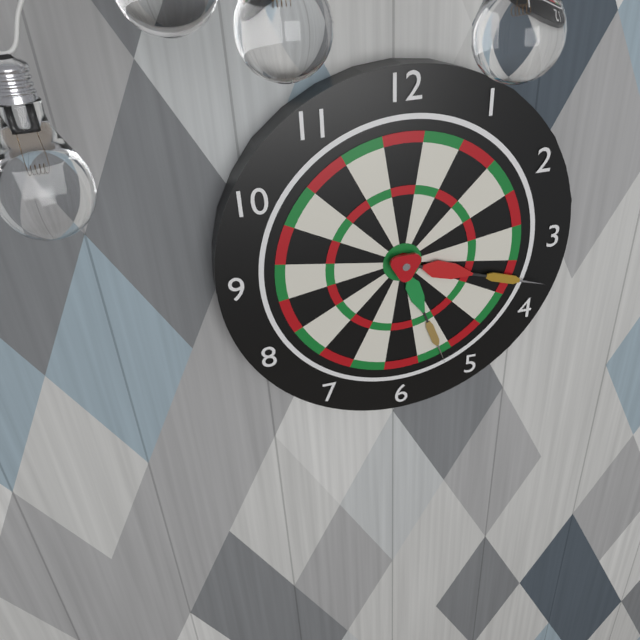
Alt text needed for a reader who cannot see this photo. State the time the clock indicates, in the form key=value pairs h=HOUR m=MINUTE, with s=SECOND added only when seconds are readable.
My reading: h=5 m=18
